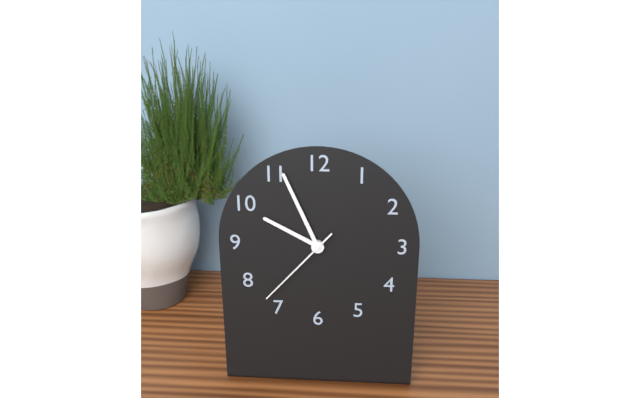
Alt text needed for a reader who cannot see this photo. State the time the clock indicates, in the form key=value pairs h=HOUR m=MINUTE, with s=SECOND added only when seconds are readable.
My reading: h=9 m=56 s=37
